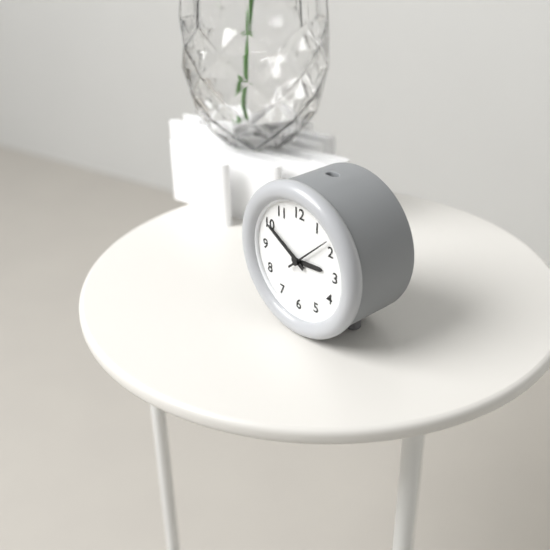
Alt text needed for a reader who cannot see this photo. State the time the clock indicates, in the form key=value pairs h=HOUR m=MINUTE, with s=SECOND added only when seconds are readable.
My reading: h=2 m=50
